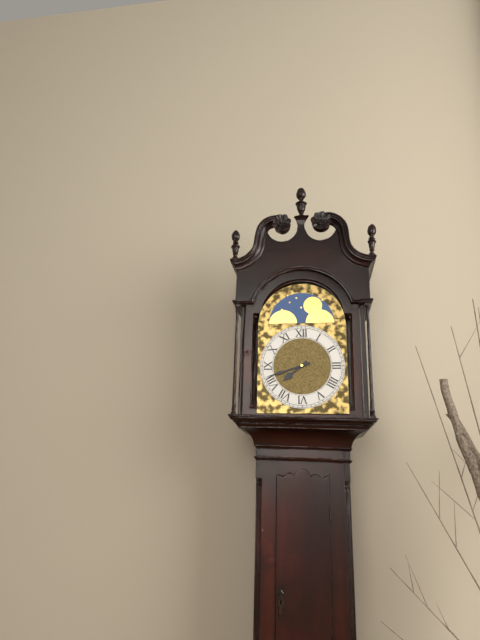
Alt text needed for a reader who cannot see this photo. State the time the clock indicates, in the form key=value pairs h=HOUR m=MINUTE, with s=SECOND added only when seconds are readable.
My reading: h=7 m=42
